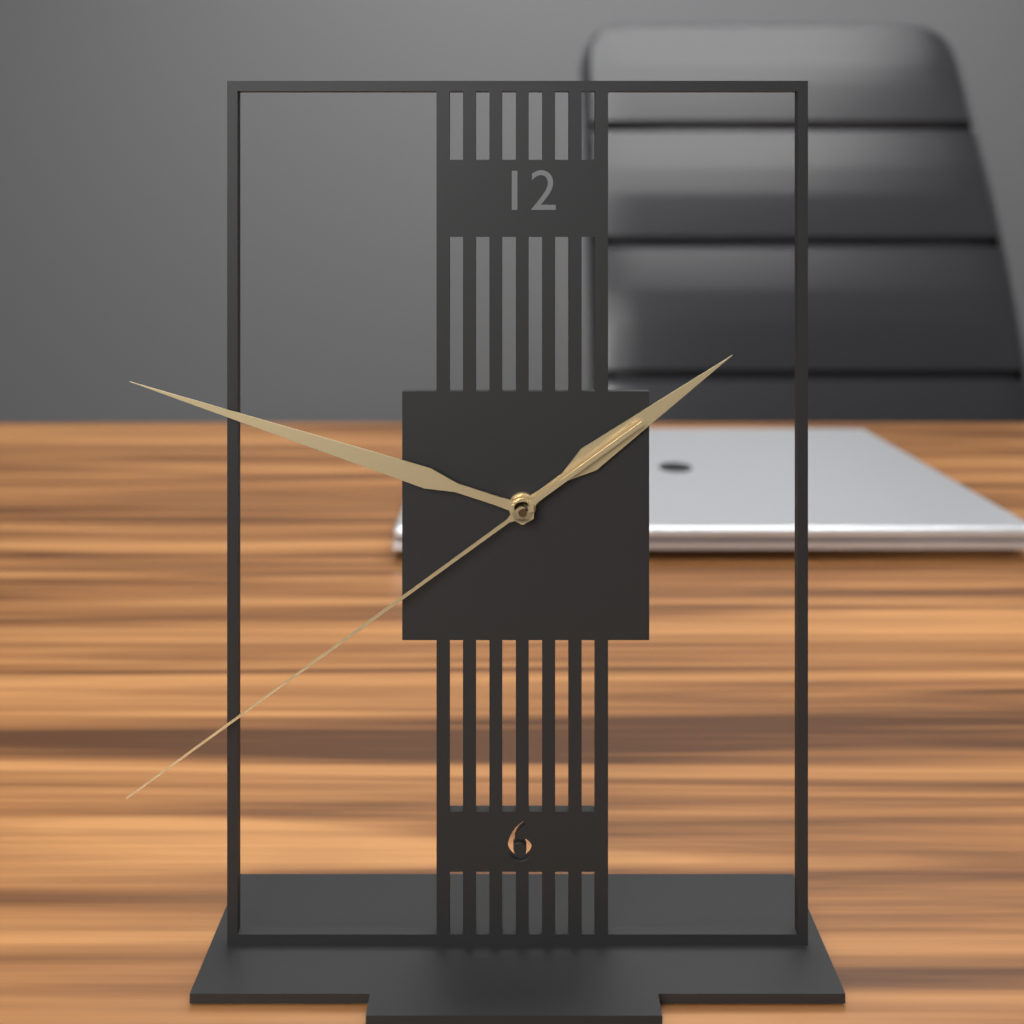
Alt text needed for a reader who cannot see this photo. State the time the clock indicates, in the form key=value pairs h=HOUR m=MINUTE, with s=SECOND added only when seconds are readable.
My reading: h=1 m=48 s=39
